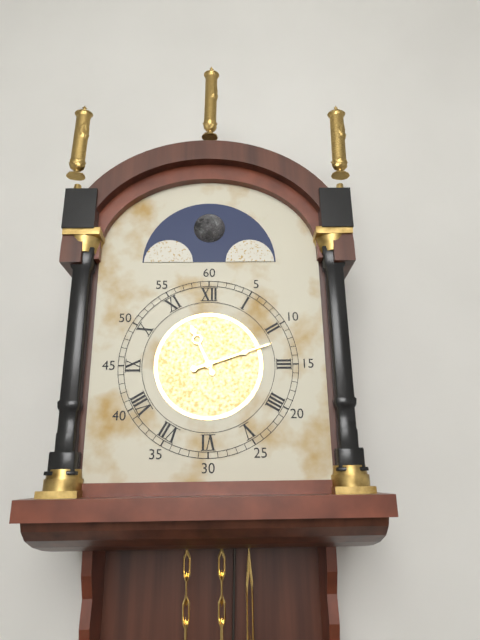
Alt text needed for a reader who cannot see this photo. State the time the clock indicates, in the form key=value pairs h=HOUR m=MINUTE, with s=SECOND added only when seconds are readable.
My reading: h=11 m=12
